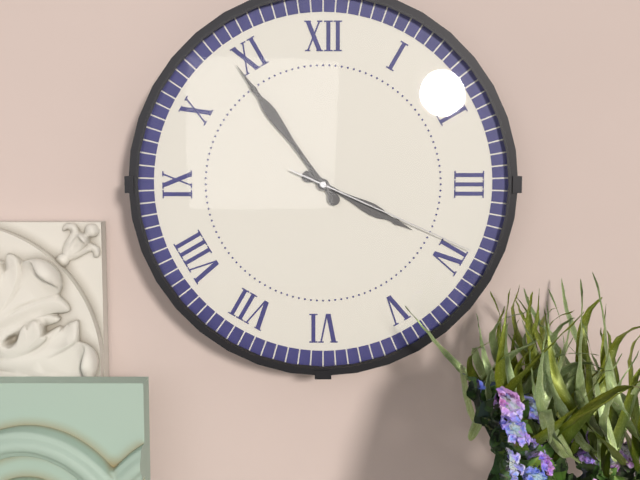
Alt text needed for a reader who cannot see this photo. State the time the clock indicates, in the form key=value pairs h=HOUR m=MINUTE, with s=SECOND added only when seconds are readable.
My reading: h=3 m=54 s=19
